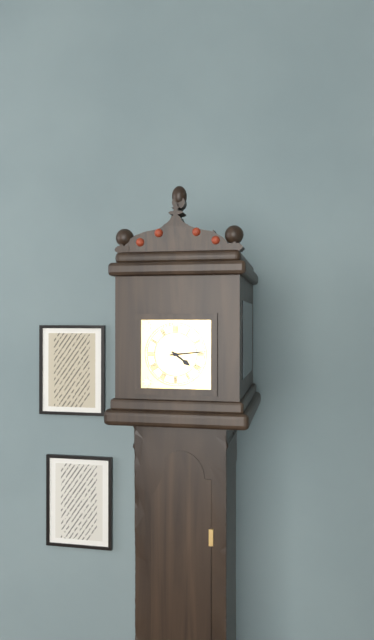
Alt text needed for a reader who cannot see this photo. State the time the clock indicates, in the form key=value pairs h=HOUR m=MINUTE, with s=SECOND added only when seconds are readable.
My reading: h=4 m=14
